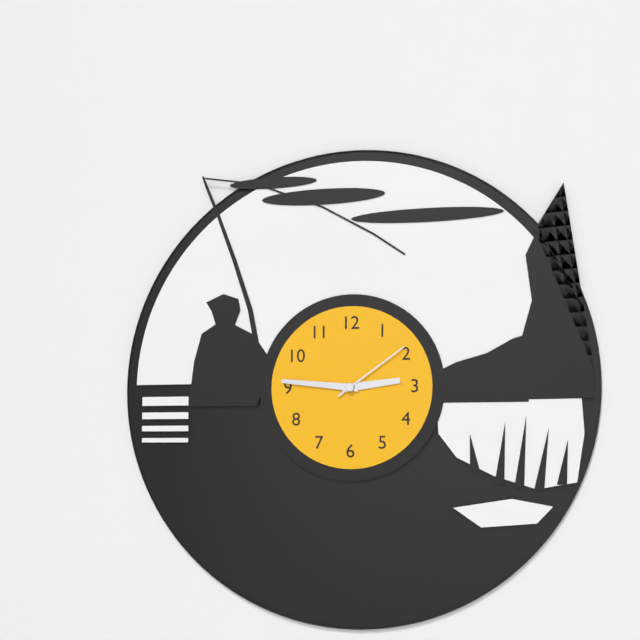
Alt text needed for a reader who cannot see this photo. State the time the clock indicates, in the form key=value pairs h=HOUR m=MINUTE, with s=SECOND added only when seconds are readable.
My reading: h=2 m=46 s=9
